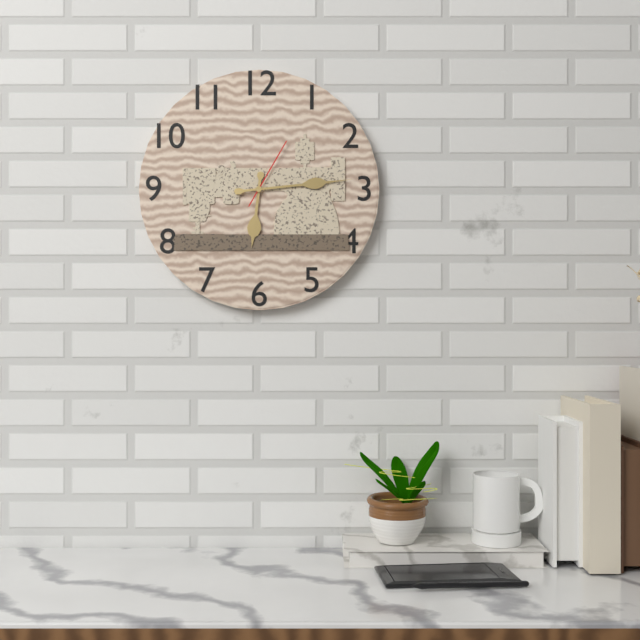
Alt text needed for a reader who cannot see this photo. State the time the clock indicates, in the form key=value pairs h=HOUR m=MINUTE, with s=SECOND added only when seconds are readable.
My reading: h=6 m=14 s=5
